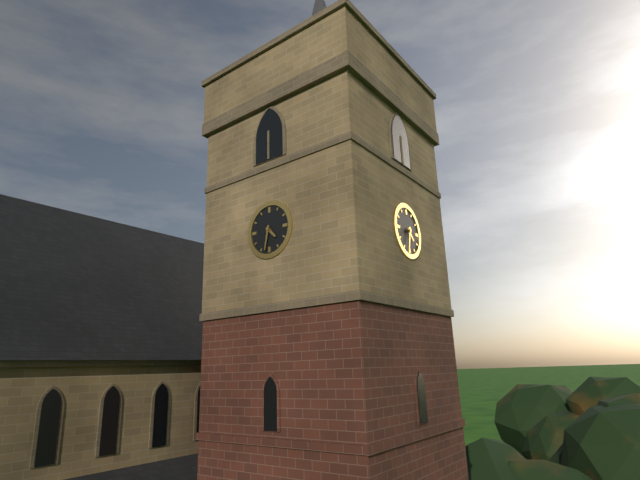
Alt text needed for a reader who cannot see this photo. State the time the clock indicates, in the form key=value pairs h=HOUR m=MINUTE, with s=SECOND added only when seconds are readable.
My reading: h=4 m=32
